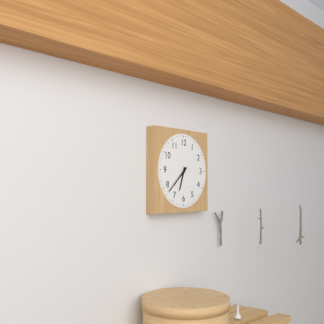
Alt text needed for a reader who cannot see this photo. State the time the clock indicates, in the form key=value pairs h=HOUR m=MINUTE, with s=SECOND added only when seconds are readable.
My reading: h=6 m=38
